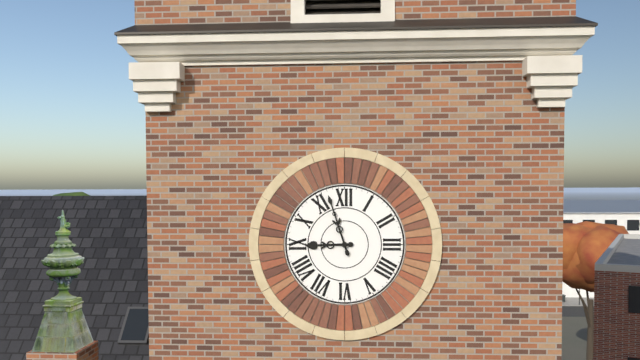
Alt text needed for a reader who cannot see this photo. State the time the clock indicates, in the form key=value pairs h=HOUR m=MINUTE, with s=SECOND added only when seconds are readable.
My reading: h=8 m=57
